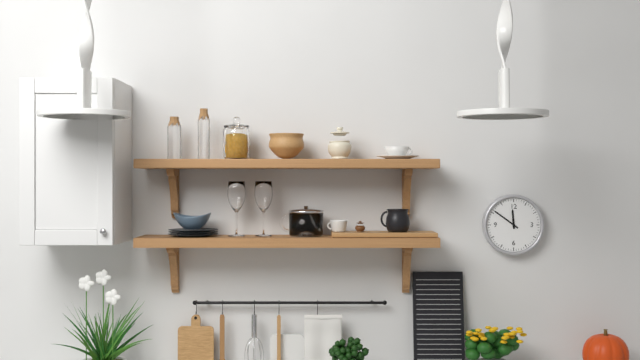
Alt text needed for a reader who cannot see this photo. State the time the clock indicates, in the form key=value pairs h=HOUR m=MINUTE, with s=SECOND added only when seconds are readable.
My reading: h=11 m=51
